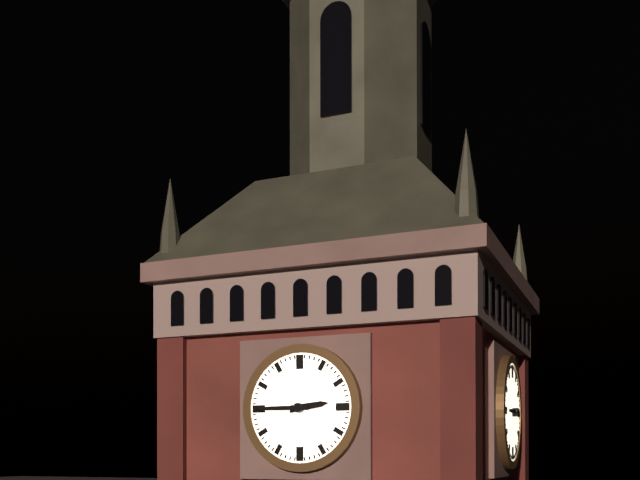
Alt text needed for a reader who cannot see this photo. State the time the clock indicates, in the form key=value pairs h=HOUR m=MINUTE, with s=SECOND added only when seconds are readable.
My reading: h=2 m=45
